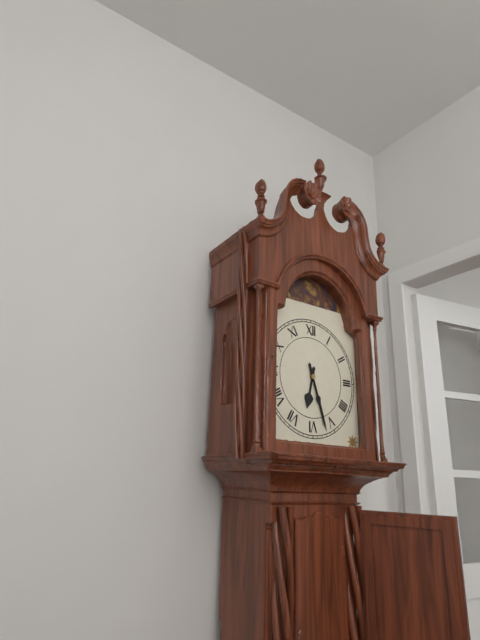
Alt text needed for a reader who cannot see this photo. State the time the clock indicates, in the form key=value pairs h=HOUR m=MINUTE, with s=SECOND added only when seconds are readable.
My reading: h=6 m=27
